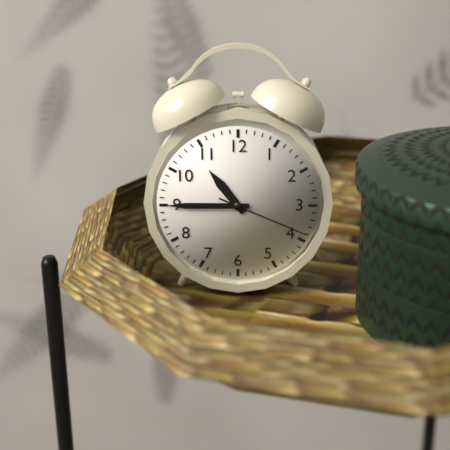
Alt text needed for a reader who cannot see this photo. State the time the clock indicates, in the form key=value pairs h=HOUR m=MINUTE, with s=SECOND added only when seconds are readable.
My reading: h=10 m=45 s=19
